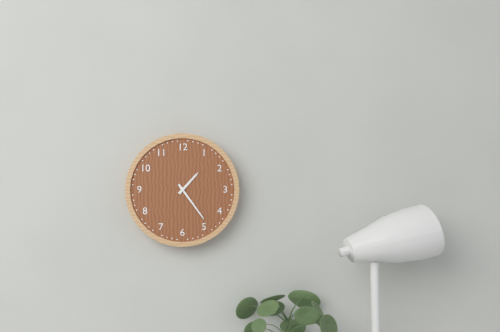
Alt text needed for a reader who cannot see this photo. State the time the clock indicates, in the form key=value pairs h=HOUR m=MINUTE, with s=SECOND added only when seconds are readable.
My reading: h=1 m=24
